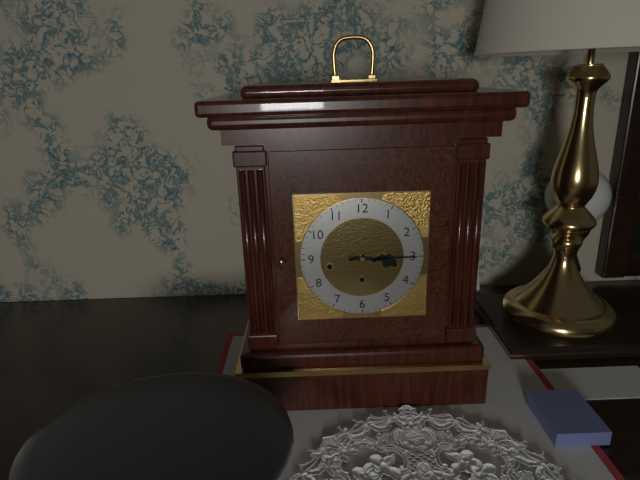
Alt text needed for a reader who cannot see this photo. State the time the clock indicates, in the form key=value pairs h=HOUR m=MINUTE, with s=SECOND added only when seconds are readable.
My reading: h=3 m=15
